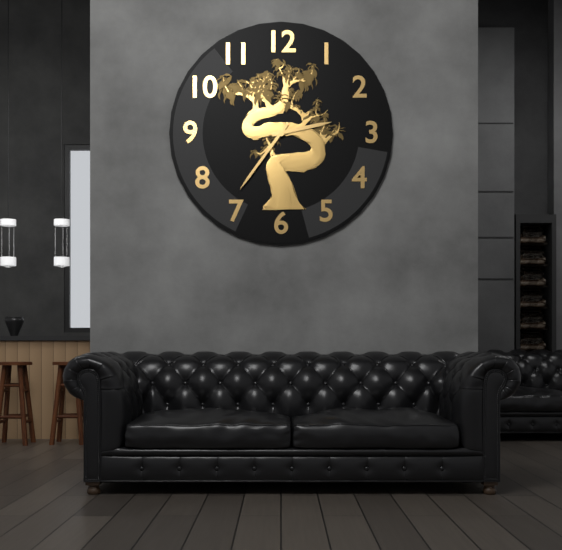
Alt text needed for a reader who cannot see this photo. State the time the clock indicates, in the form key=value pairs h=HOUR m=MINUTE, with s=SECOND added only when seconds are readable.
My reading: h=2 m=36
